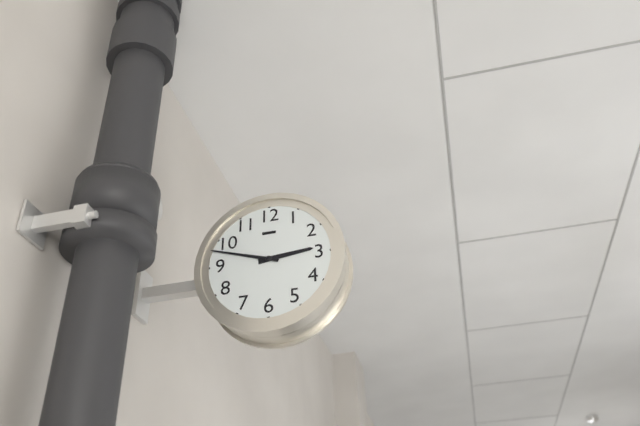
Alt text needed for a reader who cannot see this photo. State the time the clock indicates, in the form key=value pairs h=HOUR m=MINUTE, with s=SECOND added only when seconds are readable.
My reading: h=2 m=48
